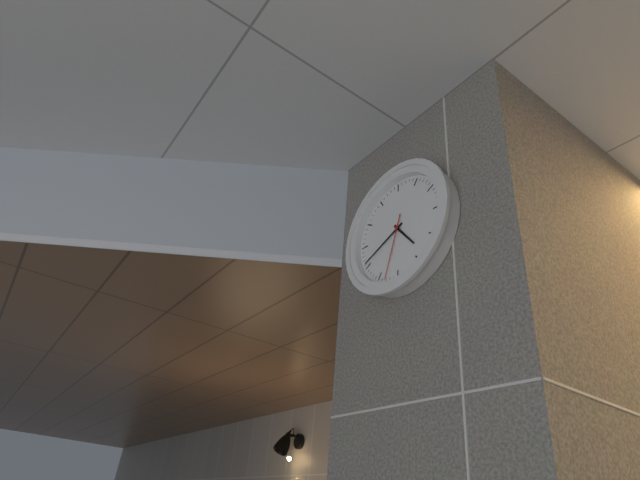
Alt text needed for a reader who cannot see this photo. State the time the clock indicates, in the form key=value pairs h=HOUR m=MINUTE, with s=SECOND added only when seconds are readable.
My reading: h=4 m=41 s=33
